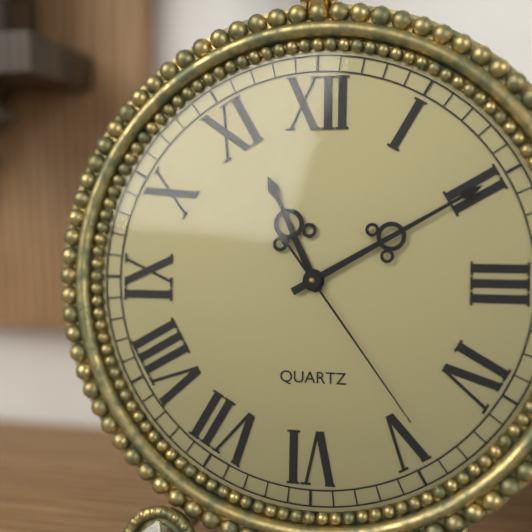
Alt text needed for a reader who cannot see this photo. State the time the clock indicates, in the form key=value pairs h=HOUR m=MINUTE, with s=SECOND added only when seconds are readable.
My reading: h=11 m=10 s=24
